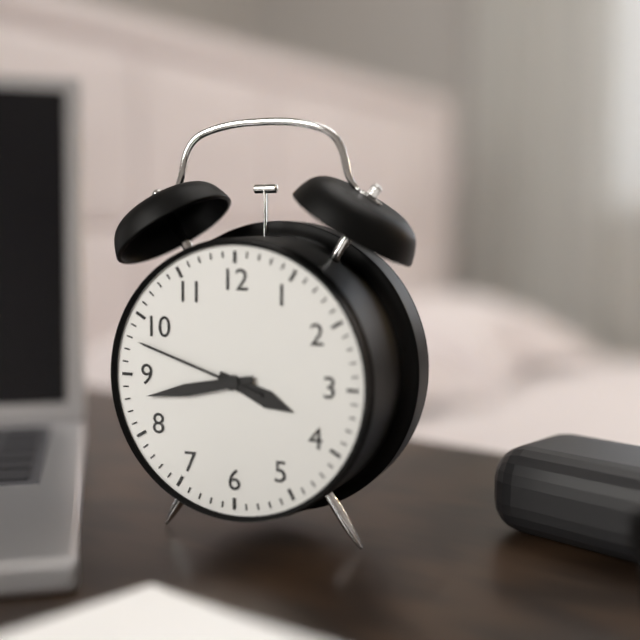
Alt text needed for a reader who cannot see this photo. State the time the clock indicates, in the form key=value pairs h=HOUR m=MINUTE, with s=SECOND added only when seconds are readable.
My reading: h=3 m=43 s=48
